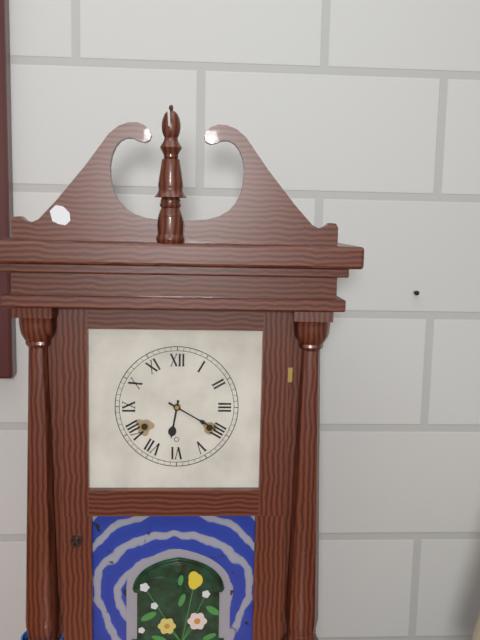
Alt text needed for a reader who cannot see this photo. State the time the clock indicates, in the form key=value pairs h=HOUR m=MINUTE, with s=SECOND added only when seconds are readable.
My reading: h=6 m=20
